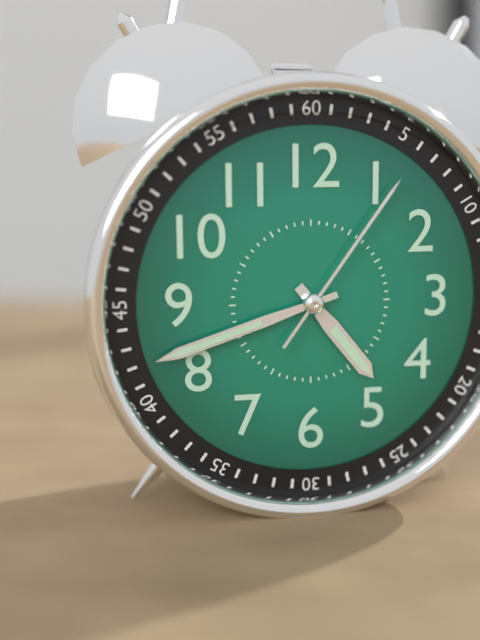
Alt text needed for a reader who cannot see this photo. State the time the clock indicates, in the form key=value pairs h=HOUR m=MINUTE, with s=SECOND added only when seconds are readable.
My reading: h=4 m=42 s=6
